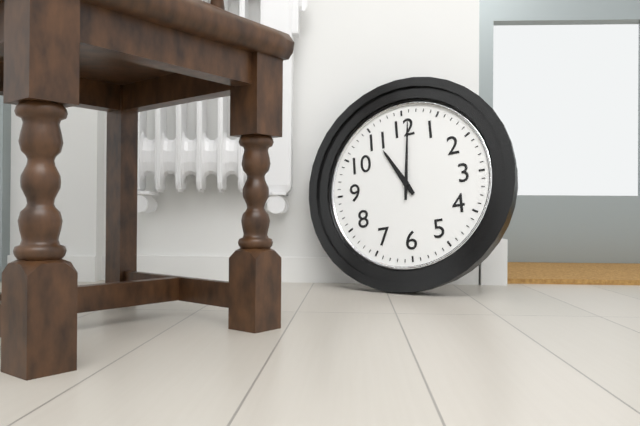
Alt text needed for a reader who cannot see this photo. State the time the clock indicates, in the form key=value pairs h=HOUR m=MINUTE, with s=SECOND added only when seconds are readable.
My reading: h=11 m=1
